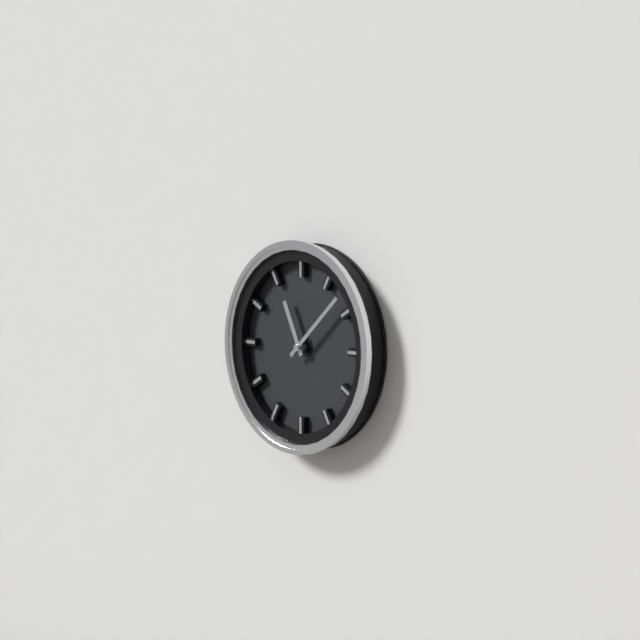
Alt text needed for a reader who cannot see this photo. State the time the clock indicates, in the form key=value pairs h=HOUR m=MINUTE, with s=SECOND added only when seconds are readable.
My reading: h=11 m=8
